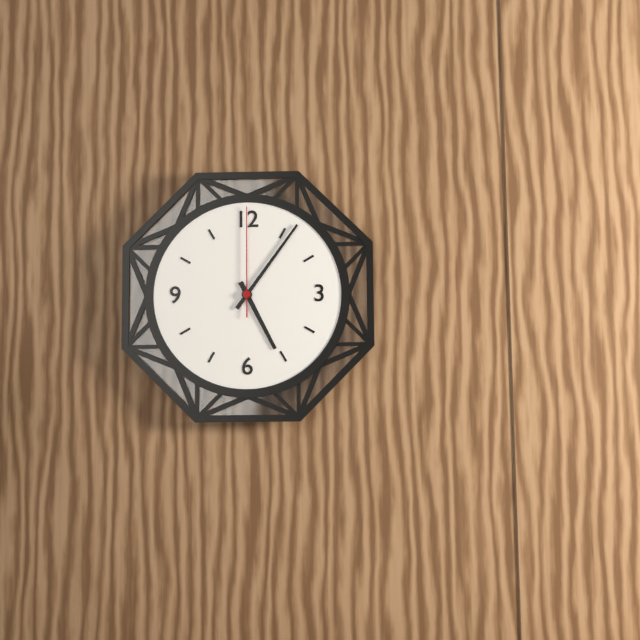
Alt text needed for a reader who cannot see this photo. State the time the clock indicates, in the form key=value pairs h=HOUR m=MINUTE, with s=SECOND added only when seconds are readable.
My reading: h=5 m=6 s=0
